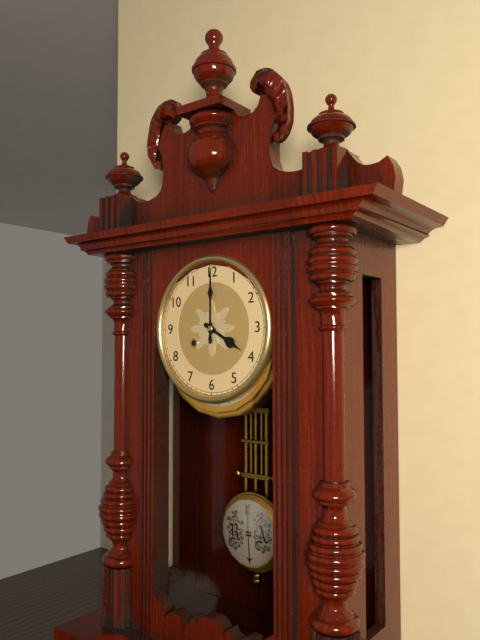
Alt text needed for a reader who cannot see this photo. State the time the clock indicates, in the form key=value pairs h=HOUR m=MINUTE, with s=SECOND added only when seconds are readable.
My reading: h=4 m=0
